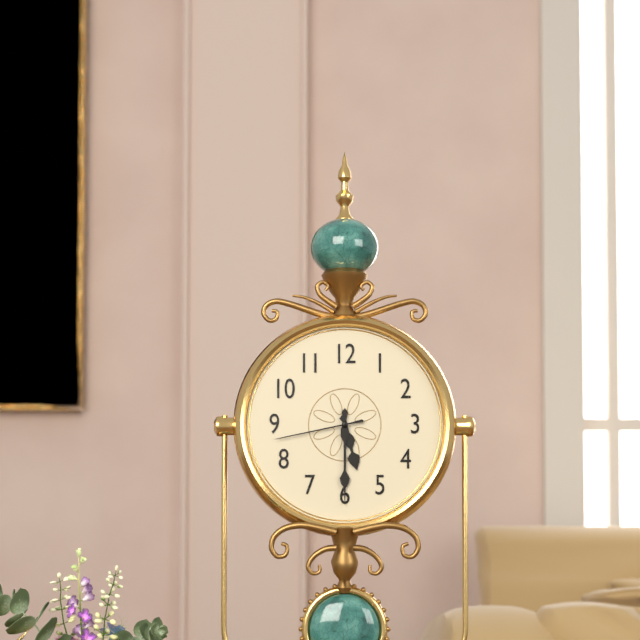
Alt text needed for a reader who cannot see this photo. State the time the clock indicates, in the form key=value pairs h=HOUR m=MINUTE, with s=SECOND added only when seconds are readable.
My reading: h=5 m=30 s=43
